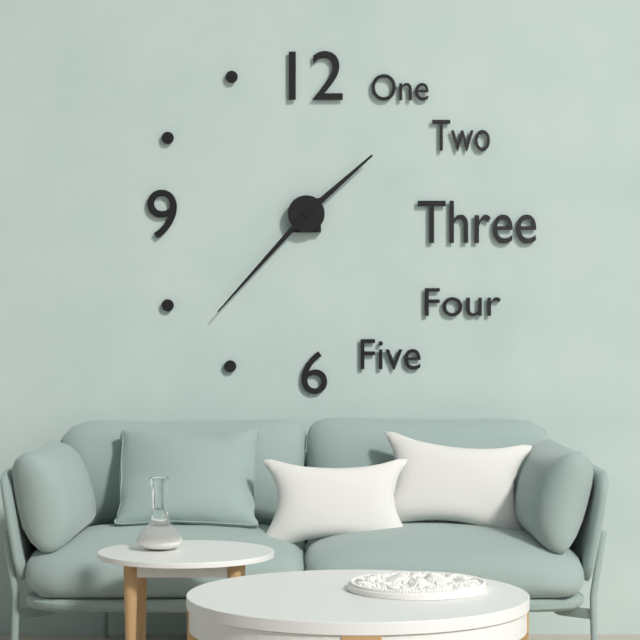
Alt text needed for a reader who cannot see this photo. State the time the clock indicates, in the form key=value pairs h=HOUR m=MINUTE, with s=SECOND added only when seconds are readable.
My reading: h=1 m=37
